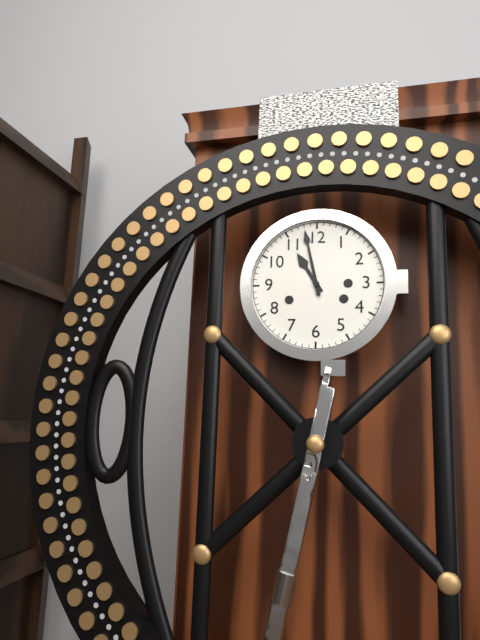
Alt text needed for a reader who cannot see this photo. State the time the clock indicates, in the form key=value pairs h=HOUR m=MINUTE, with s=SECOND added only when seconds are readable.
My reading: h=10 m=58
